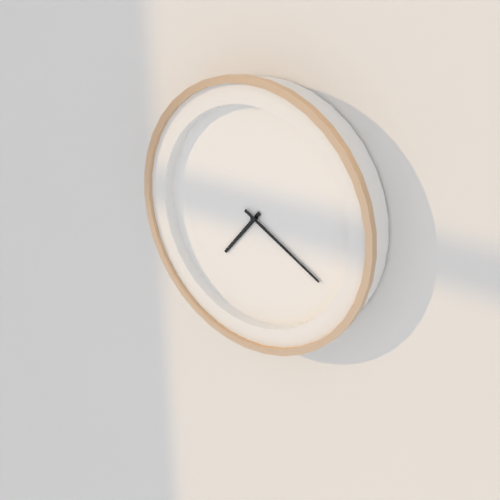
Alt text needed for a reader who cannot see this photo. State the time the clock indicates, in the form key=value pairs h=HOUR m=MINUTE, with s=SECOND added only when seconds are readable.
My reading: h=7 m=20
